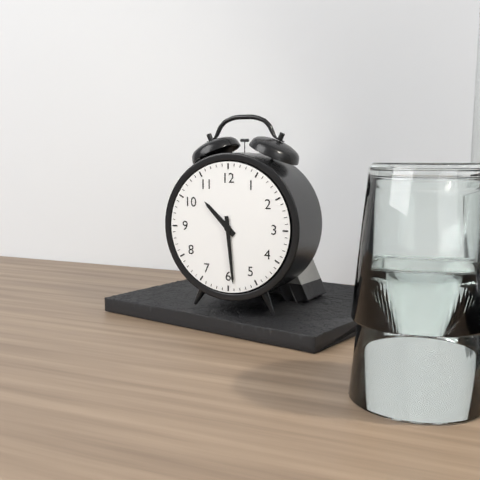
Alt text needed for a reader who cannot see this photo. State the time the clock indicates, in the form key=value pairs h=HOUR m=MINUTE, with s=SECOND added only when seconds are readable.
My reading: h=10 m=29
